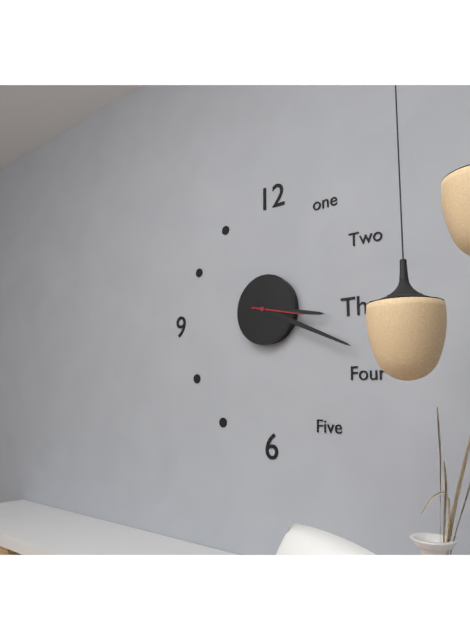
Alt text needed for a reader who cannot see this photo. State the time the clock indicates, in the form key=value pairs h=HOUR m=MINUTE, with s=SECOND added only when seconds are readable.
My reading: h=3 m=19 s=17
